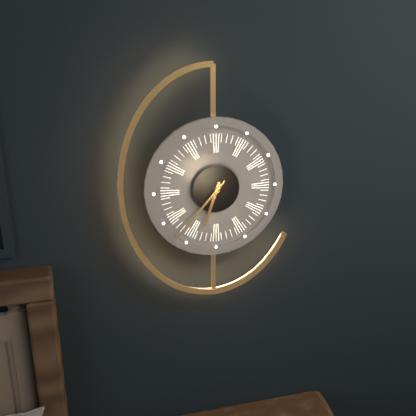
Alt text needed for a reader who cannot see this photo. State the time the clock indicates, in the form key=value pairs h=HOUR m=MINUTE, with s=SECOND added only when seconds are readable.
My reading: h=6 m=37
